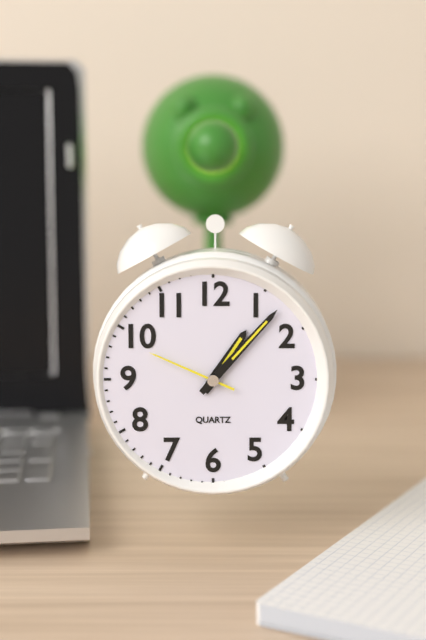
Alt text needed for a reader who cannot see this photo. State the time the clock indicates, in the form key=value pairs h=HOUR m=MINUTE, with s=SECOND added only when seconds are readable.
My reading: h=1 m=7 s=49
